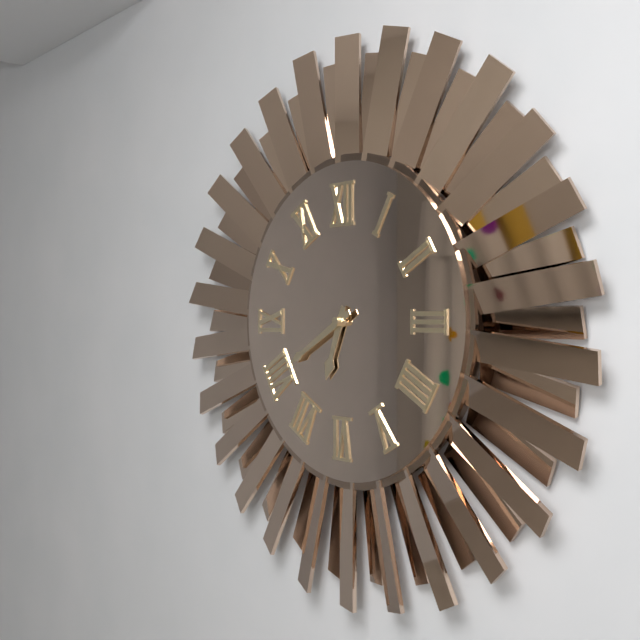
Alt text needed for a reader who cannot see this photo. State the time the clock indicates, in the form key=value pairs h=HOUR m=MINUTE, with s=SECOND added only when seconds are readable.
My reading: h=6 m=40
